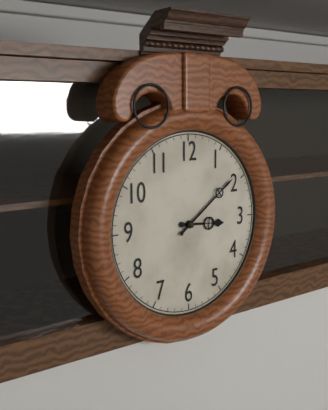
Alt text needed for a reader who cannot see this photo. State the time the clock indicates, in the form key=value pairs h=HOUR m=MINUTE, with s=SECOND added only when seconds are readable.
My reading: h=3 m=9
